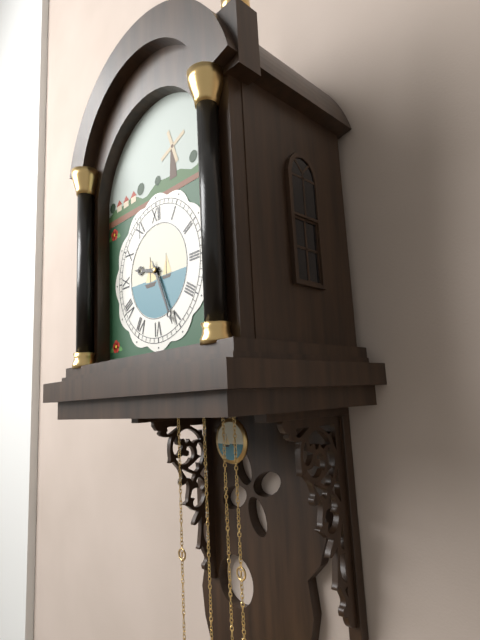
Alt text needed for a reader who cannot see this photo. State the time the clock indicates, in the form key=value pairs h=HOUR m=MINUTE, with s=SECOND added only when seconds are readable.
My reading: h=9 m=26
